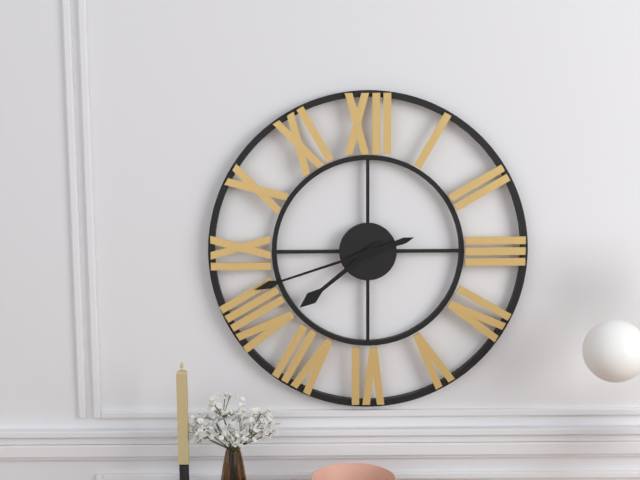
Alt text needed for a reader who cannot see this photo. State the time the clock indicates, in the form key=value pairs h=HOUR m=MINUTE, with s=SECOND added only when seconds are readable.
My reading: h=7 m=42
